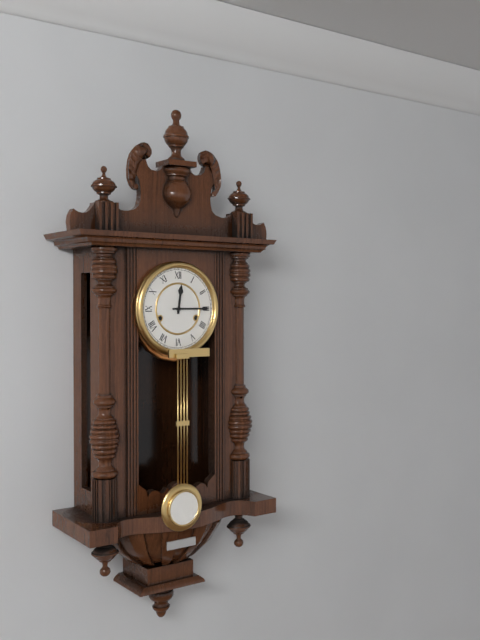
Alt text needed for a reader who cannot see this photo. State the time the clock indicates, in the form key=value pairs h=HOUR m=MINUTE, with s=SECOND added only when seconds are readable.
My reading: h=12 m=15
